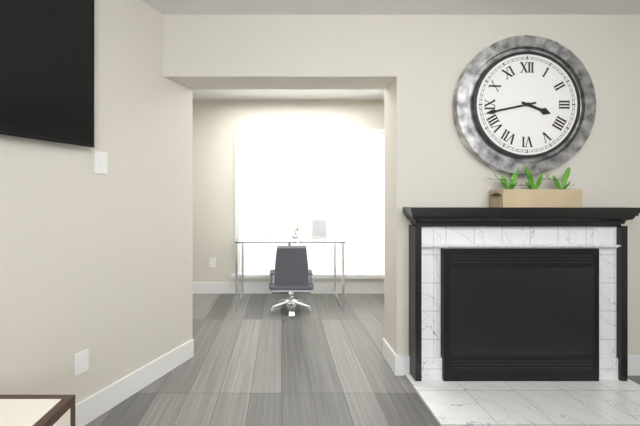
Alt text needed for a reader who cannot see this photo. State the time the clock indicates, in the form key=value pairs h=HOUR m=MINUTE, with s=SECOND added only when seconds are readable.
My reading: h=3 m=43
